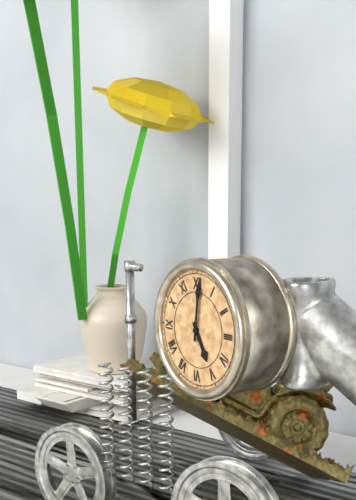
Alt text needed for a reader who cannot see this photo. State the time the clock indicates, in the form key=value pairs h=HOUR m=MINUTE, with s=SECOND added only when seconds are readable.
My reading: h=5 m=1
